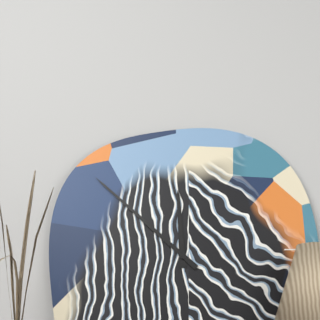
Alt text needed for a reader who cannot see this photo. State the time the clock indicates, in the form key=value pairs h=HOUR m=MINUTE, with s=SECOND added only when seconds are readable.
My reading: h=11 m=52
